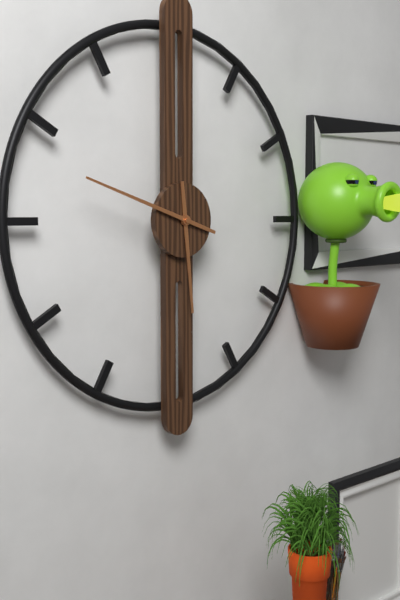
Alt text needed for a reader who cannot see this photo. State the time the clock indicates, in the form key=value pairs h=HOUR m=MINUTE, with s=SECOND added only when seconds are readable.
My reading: h=5 m=48
